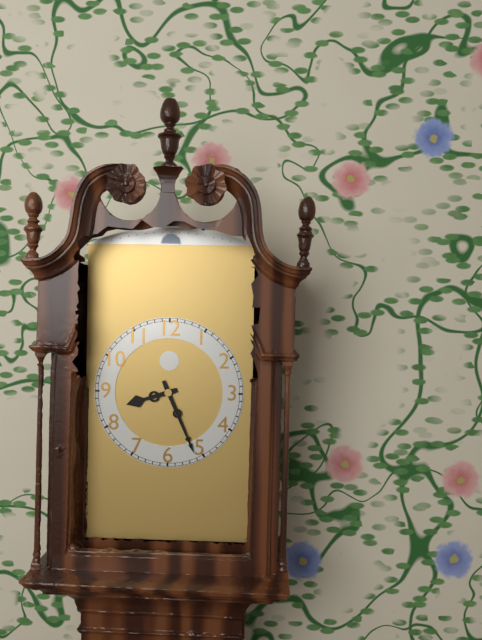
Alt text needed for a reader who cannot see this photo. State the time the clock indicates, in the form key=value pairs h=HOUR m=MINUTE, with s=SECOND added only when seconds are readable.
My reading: h=8 m=26
